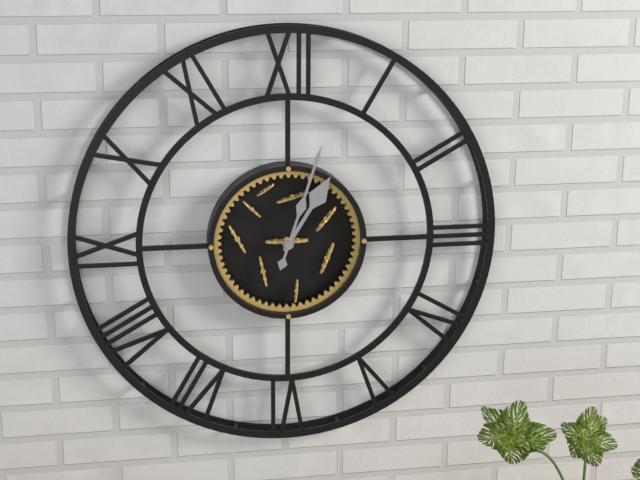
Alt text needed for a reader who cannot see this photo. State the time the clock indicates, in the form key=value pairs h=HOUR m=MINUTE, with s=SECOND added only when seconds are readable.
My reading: h=1 m=3
